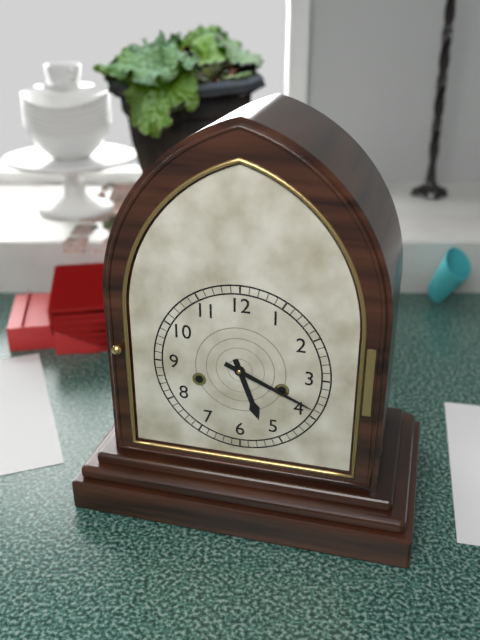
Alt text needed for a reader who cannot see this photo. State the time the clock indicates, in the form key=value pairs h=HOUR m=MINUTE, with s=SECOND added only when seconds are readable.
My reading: h=5 m=19
